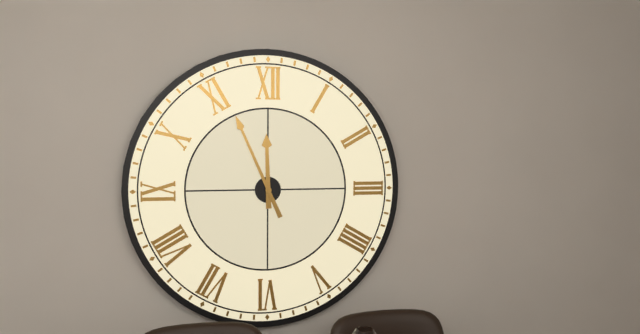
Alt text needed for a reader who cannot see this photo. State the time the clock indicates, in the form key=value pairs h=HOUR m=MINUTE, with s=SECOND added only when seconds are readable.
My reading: h=11 m=56
